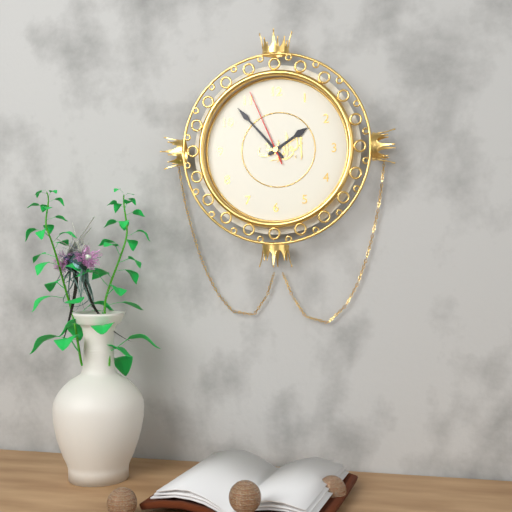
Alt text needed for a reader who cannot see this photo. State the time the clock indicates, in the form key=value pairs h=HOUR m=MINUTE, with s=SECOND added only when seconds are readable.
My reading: h=1 m=53 s=56
